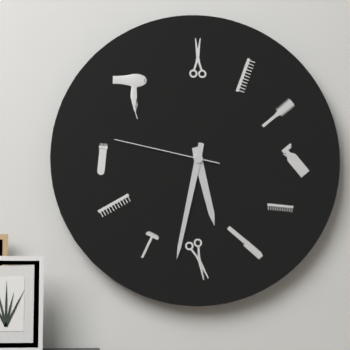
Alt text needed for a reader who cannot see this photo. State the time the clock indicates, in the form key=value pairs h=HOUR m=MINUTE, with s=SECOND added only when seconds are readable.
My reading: h=5 m=32 s=47
